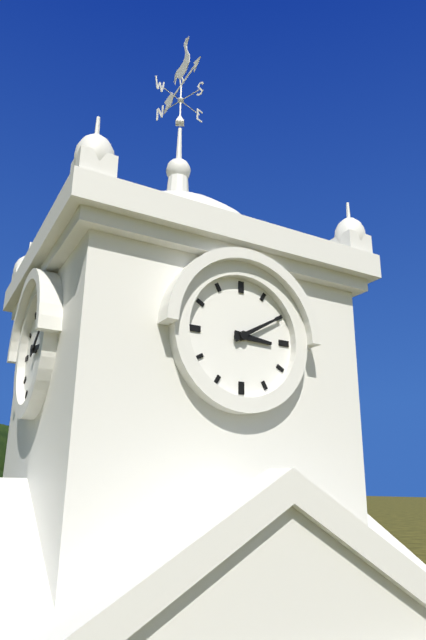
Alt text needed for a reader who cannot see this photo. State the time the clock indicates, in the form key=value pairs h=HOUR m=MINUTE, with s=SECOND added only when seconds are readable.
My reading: h=3 m=10
